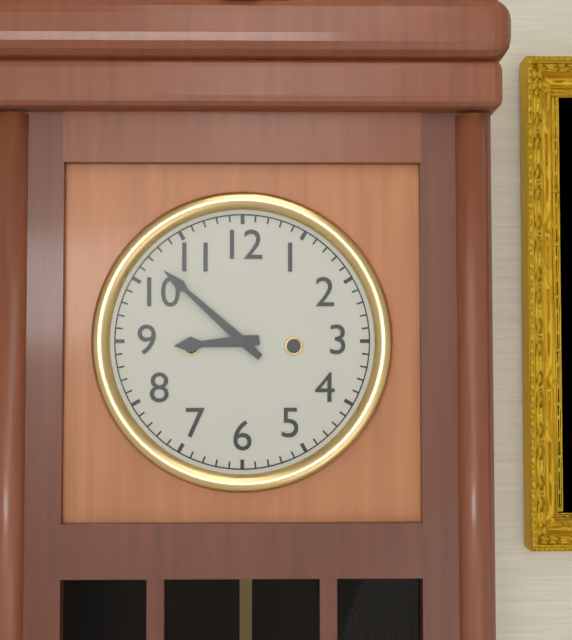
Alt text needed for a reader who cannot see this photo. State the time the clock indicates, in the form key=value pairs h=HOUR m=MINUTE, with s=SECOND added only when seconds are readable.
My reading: h=8 m=52
